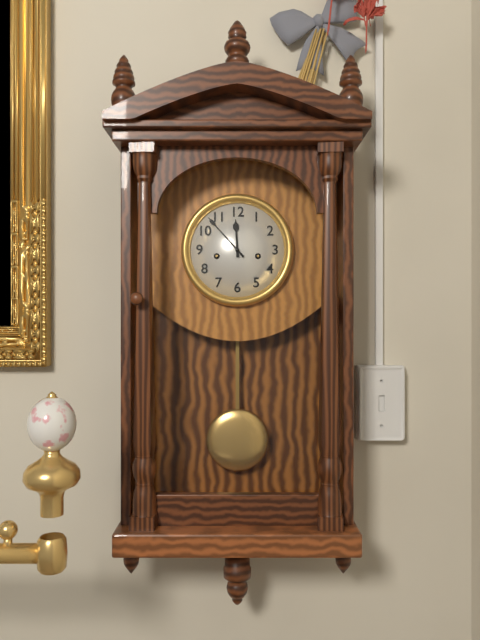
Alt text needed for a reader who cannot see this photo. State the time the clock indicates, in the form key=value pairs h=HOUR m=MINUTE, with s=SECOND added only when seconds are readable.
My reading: h=11 m=53
